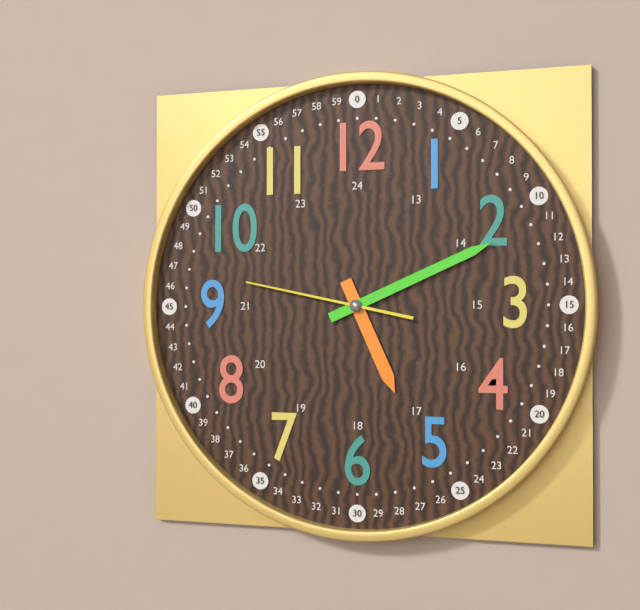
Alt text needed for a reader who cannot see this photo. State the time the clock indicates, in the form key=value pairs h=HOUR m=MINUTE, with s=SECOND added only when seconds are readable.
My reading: h=5 m=11 s=47
